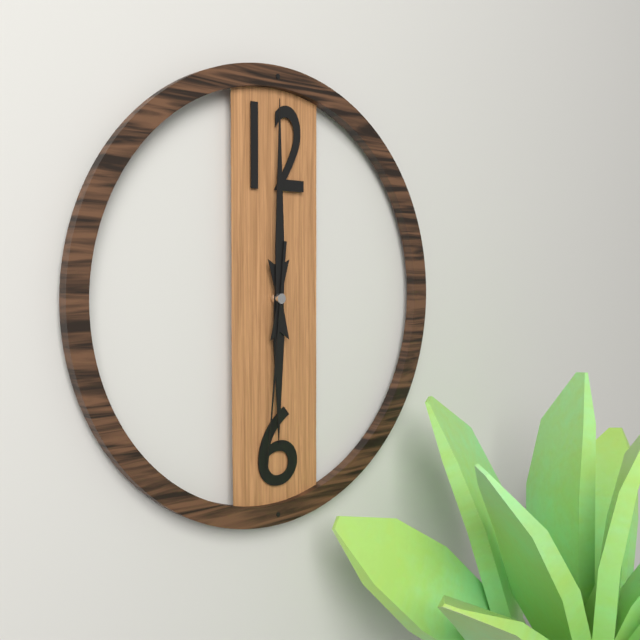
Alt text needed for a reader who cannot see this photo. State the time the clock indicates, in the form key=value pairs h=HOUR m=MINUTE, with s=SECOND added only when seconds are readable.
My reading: h=6 m=0 s=31
